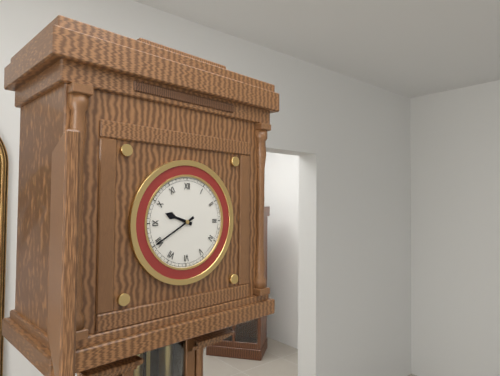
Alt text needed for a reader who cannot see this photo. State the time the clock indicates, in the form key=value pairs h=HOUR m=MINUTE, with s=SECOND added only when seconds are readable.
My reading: h=9 m=40
